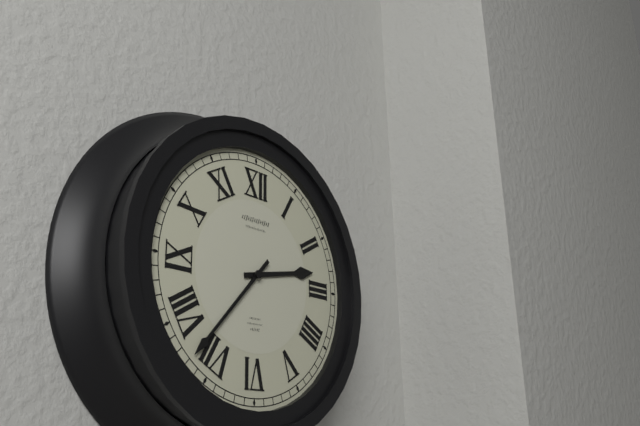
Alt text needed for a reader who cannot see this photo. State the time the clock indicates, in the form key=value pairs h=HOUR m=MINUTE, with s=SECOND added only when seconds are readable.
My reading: h=2 m=37
